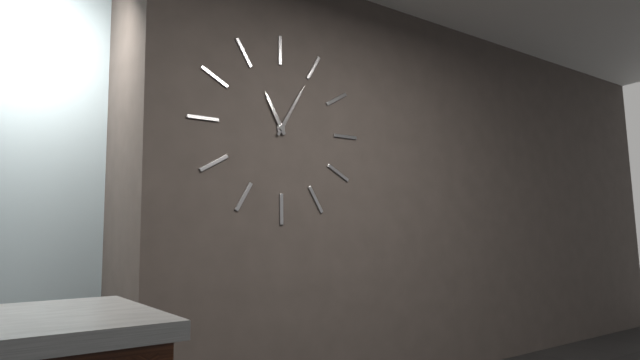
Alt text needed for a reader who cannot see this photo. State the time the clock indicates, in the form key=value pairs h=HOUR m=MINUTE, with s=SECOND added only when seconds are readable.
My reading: h=11 m=5
